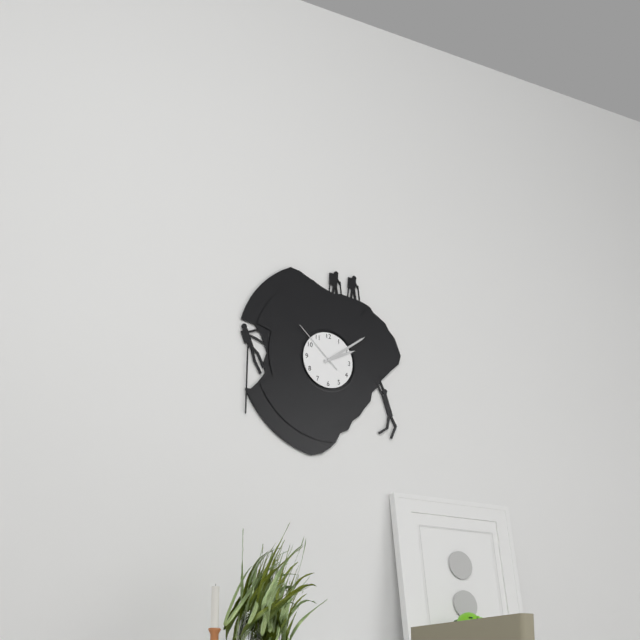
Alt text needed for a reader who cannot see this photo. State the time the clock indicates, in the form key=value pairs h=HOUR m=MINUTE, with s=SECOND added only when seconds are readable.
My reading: h=2 m=9 s=52
